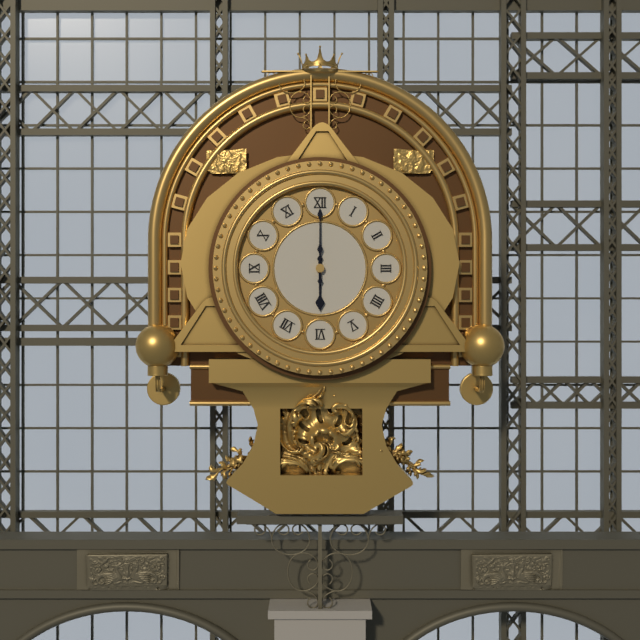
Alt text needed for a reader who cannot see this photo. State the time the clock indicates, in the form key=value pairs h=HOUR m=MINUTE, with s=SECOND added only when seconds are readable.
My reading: h=6 m=0
